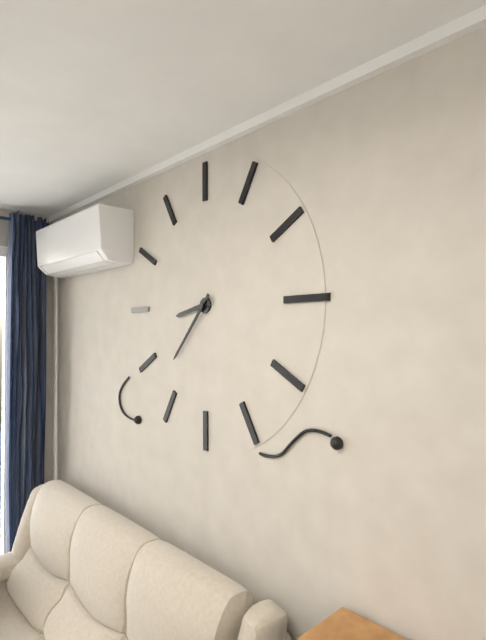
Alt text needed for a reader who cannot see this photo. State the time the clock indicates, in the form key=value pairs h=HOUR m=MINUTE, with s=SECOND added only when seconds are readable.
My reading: h=8 m=37
